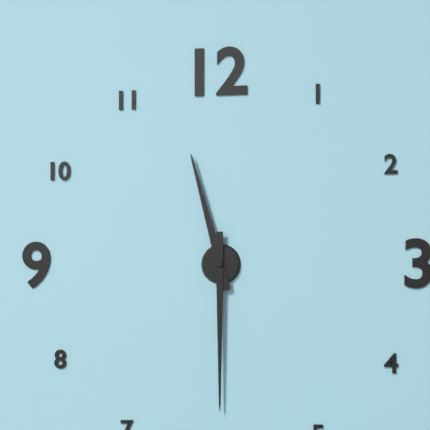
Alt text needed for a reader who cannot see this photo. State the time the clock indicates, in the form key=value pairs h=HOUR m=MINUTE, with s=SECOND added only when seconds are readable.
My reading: h=11 m=30
